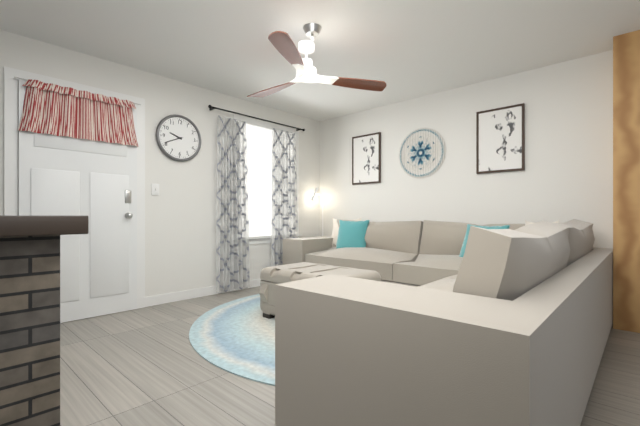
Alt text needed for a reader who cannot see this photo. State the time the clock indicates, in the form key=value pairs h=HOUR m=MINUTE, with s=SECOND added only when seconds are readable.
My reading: h=9 m=41
